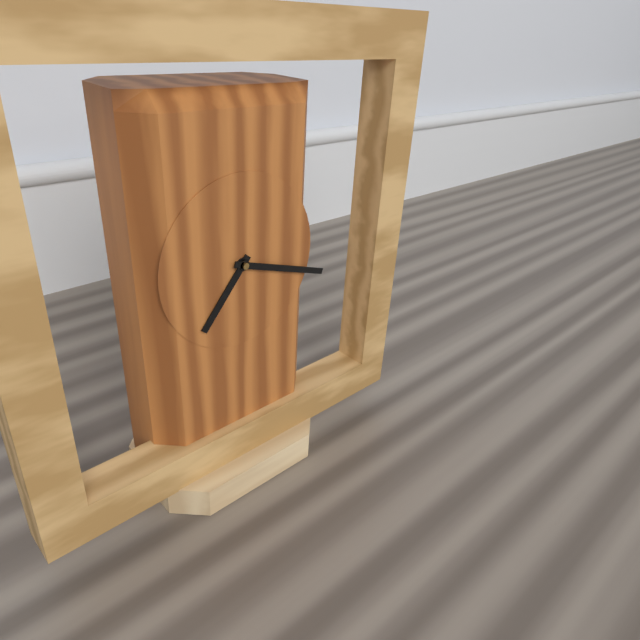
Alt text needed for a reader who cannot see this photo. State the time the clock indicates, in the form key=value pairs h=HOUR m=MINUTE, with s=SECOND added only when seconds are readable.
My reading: h=7 m=18
